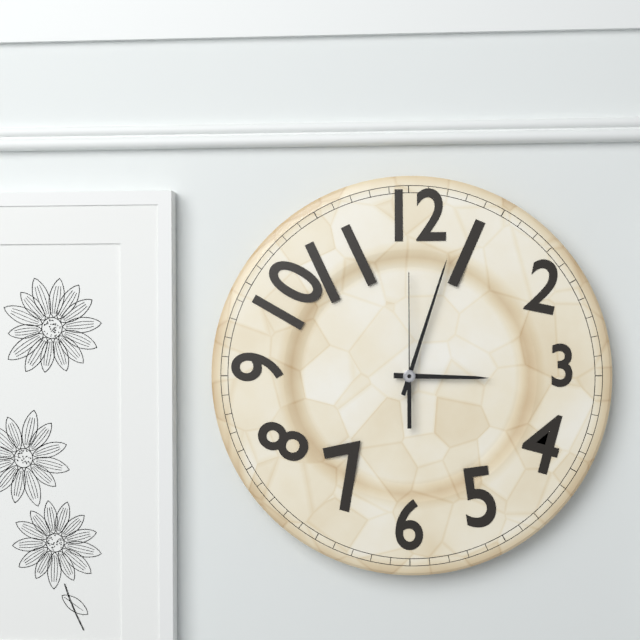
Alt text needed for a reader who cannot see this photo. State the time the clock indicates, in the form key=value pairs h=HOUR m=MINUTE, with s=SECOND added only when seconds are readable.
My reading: h=3 m=3 s=0
